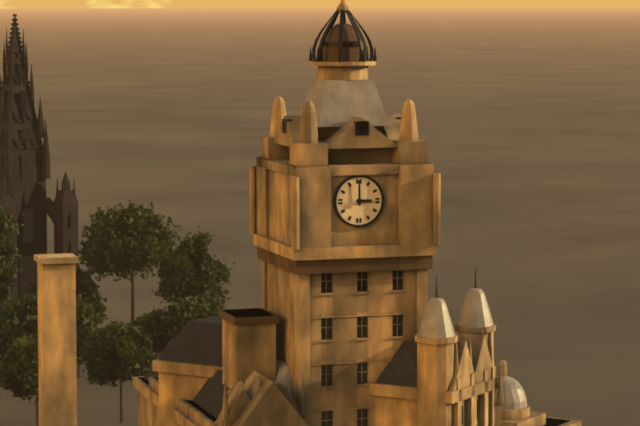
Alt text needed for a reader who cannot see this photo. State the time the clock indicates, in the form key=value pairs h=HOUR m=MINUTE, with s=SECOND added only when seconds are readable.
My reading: h=3 m=0
